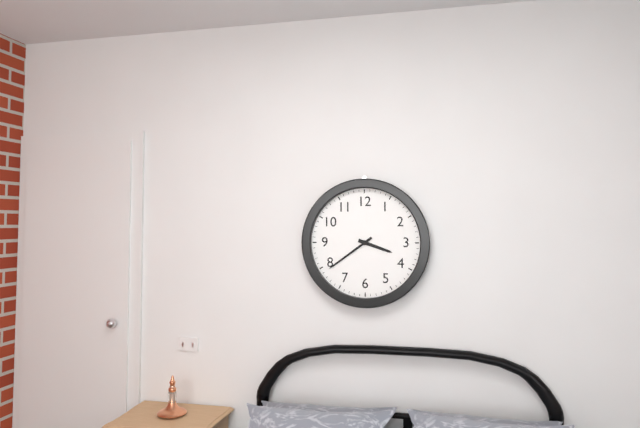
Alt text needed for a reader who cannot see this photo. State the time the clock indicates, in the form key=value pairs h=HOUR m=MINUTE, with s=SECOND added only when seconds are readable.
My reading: h=3 m=39
